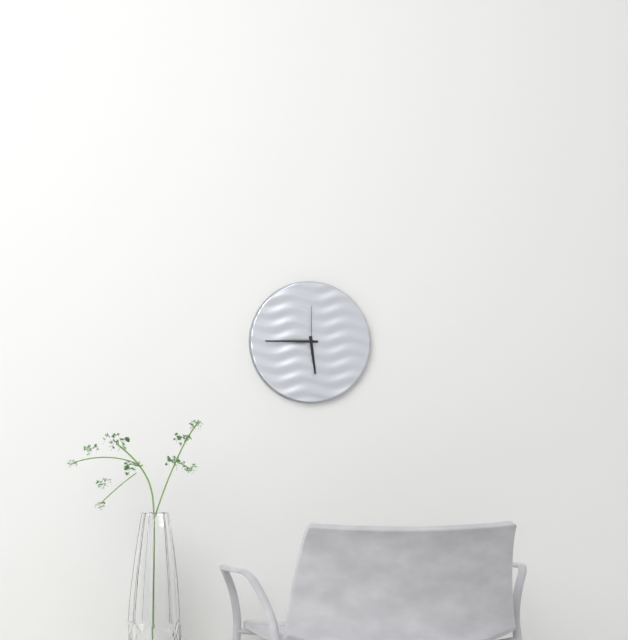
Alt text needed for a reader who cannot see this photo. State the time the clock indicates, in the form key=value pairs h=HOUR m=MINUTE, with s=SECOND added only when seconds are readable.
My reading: h=5 m=45
